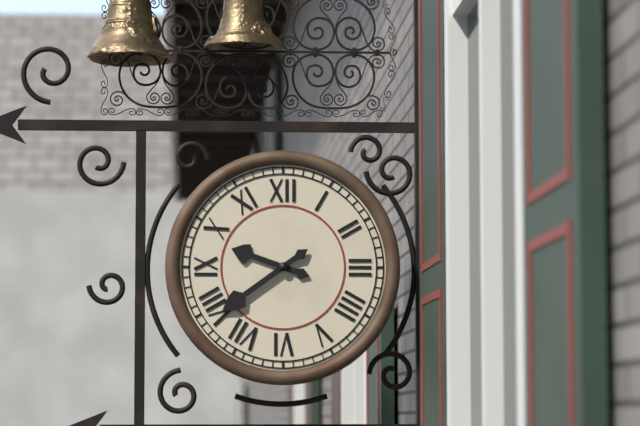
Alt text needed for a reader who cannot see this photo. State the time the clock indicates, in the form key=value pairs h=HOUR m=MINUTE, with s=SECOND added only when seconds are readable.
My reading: h=9 m=39
